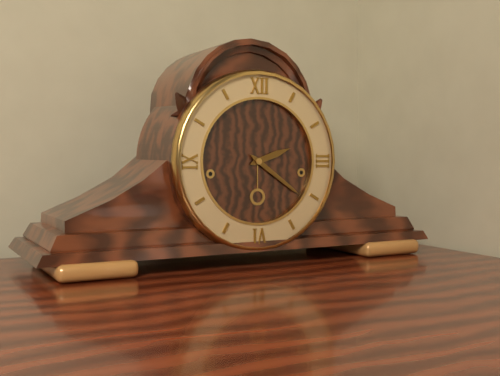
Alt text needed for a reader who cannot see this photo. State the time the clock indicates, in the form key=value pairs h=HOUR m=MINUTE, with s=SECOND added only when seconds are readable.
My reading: h=2 m=21
